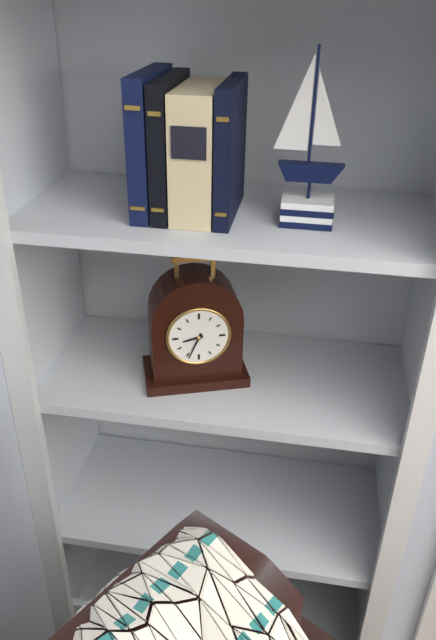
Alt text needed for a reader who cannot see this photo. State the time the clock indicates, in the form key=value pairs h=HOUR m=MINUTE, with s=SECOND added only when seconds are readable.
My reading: h=8 m=34
